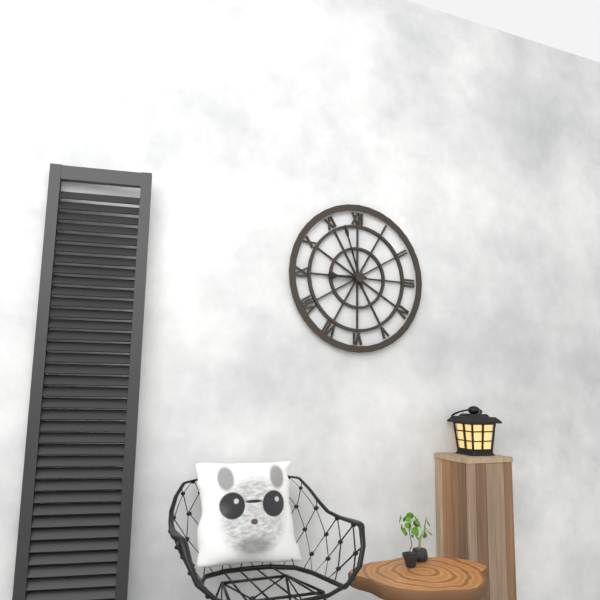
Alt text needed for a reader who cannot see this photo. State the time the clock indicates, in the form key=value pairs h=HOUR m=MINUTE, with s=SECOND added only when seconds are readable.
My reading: h=8 m=57
